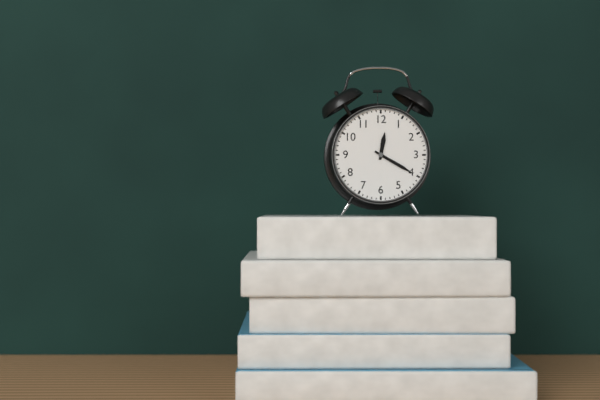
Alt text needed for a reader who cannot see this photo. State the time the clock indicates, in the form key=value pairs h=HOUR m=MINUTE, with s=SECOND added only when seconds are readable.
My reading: h=12 m=20
